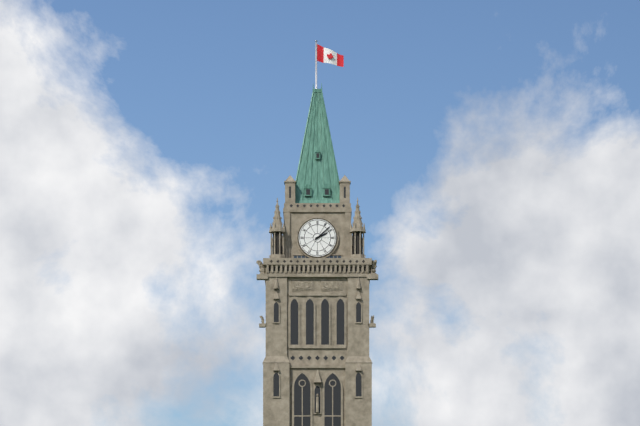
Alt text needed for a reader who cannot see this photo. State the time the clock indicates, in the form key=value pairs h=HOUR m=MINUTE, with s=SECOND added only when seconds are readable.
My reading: h=2 m=8
